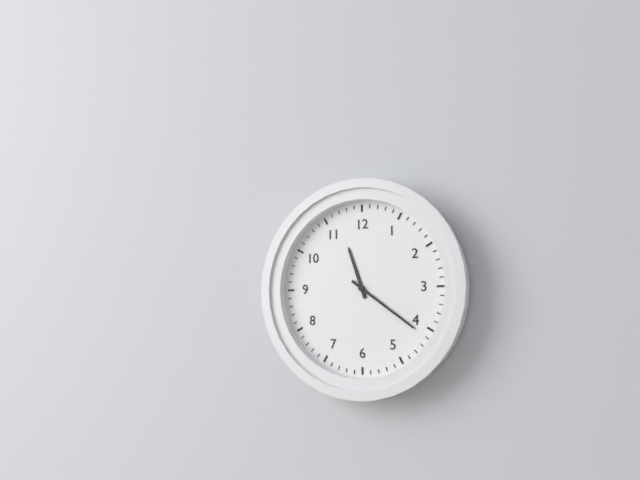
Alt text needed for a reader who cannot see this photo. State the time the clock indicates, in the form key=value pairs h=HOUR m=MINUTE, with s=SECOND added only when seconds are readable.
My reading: h=11 m=21
